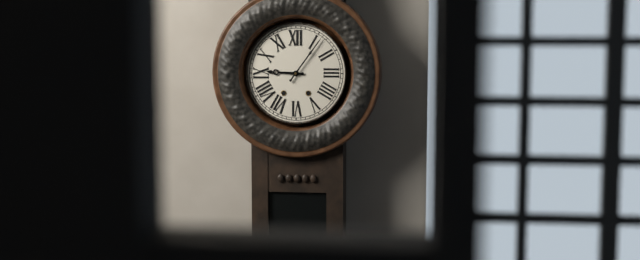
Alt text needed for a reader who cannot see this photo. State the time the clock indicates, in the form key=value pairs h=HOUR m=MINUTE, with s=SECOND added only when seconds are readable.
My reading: h=9 m=6
